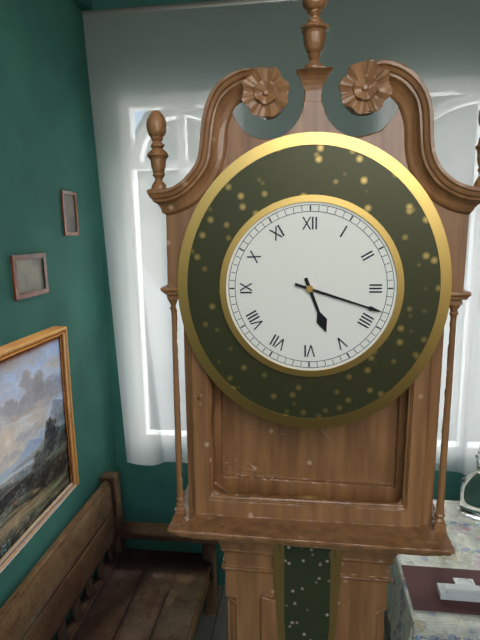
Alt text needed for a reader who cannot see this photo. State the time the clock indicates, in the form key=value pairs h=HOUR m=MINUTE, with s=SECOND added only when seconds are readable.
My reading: h=5 m=18
